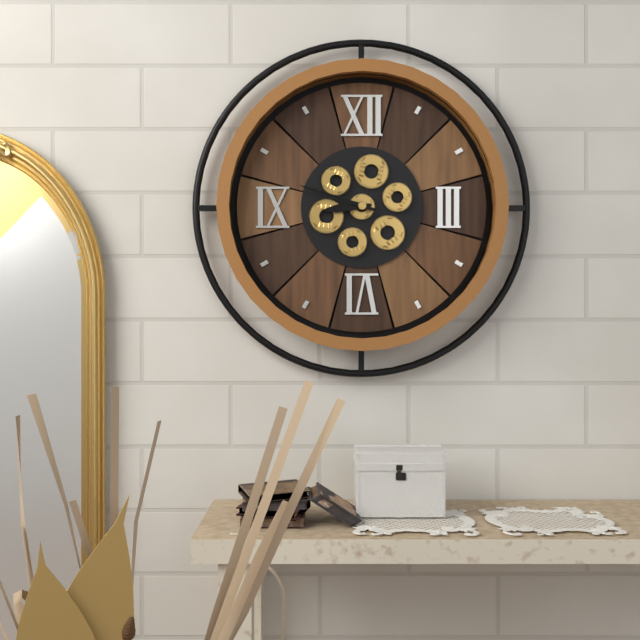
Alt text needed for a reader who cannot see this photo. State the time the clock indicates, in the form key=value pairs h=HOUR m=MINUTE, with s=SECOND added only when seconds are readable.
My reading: h=8 m=48
